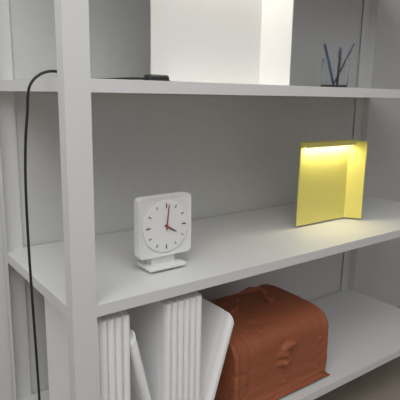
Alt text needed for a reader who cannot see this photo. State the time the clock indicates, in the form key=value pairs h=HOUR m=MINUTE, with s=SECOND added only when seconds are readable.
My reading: h=4 m=1
